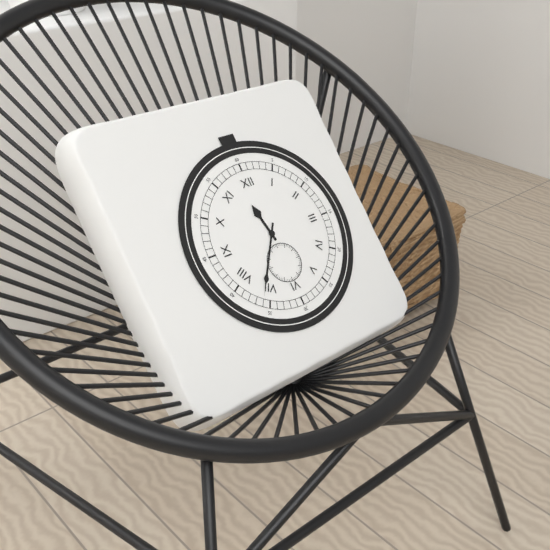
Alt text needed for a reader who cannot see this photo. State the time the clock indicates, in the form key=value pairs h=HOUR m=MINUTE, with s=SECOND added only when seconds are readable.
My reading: h=11 m=36
